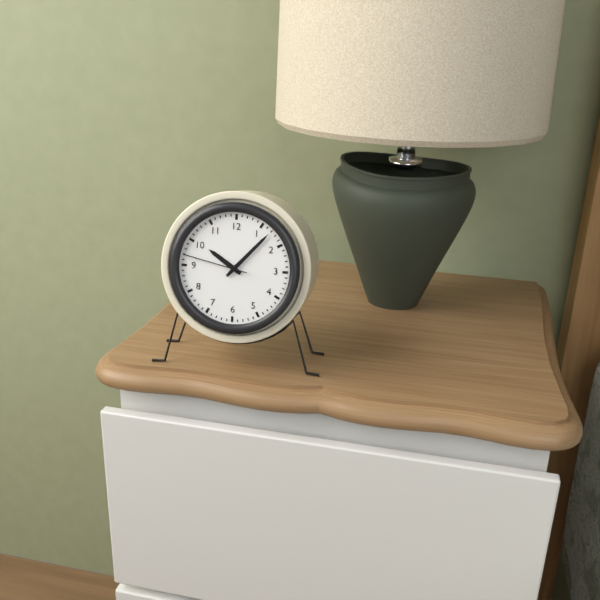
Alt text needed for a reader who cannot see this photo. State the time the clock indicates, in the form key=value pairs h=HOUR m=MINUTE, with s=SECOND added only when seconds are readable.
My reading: h=10 m=7 s=47
